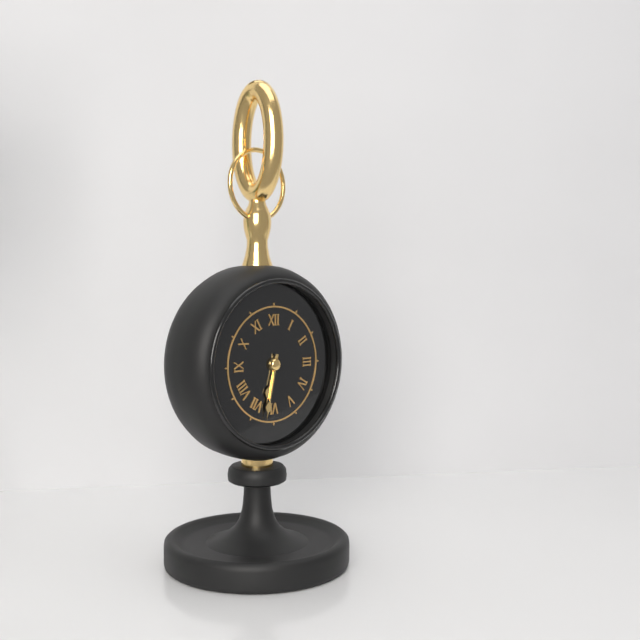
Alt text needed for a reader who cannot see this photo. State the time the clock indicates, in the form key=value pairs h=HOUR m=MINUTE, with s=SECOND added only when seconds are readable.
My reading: h=6 m=32
